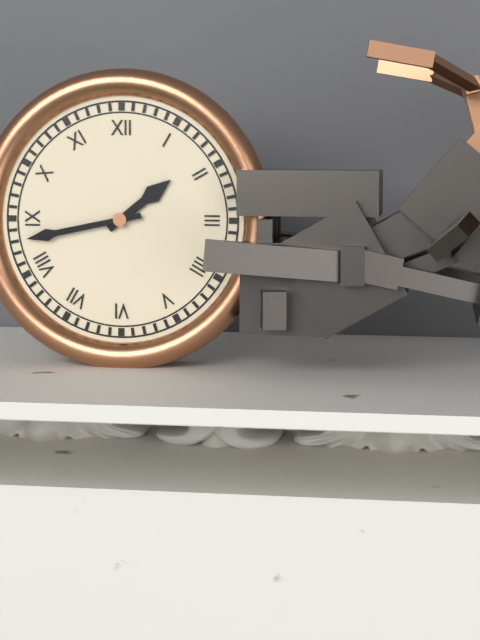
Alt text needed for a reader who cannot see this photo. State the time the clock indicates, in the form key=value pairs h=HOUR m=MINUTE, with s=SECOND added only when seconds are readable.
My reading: h=1 m=43
